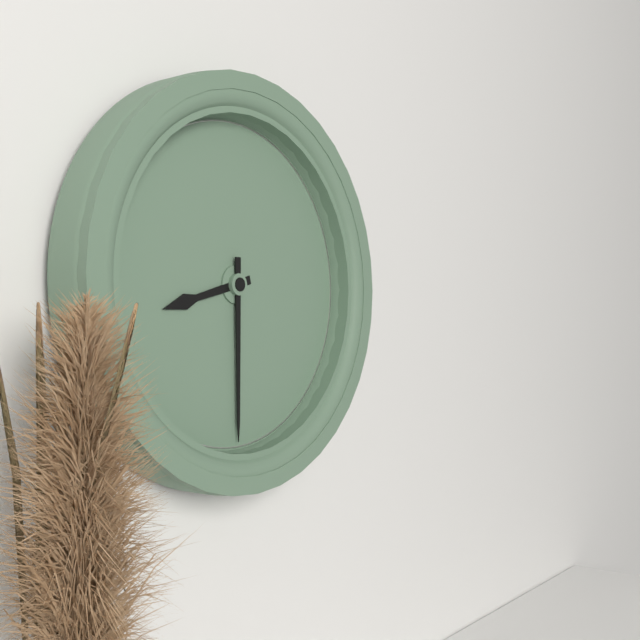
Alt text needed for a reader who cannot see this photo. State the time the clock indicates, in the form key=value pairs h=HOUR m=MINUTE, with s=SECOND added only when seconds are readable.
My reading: h=8 m=30
